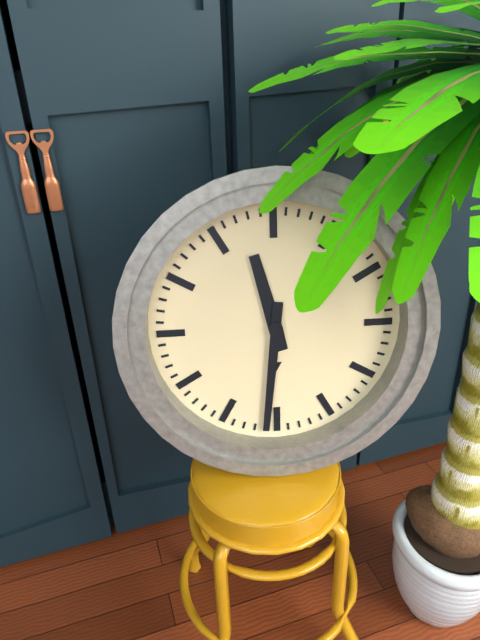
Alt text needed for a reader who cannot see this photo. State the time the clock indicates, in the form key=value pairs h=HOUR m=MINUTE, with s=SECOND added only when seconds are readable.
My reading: h=11 m=31
